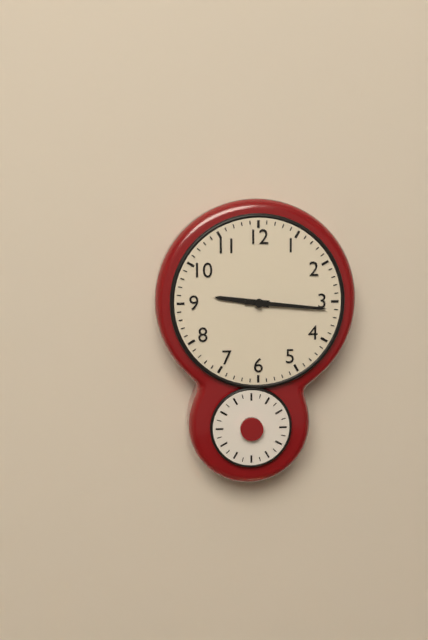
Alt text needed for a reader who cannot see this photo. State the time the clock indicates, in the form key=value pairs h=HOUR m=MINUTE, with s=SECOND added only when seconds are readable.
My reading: h=9 m=16
